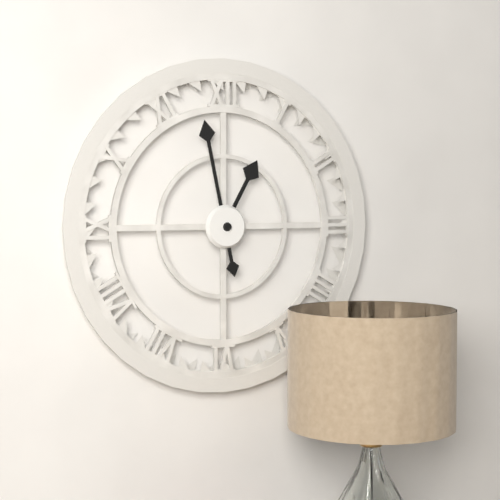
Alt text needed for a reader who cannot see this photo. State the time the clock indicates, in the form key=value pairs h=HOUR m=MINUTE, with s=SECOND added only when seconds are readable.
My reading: h=12 m=58
